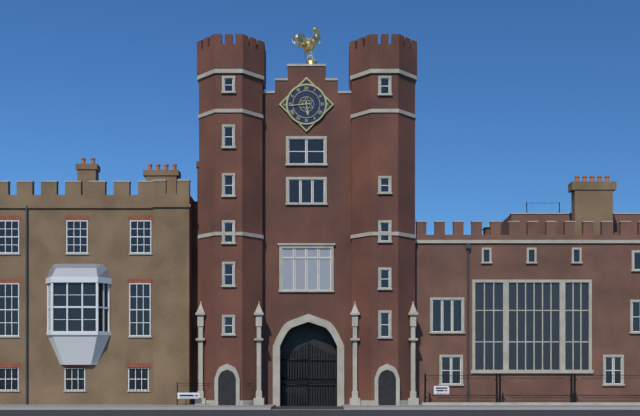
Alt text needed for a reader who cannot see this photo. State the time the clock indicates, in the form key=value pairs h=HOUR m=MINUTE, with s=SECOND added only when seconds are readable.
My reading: h=5 m=44
